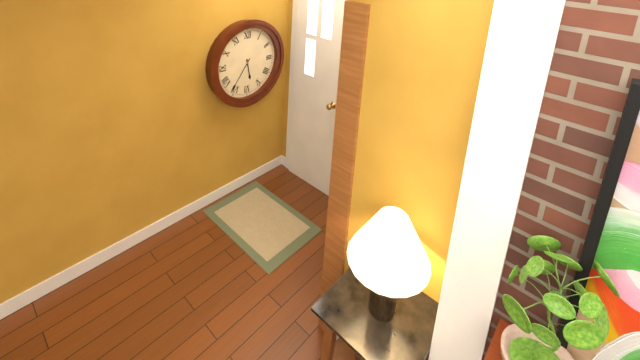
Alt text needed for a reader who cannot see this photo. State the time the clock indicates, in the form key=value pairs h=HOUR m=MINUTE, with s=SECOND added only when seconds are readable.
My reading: h=5 m=36
